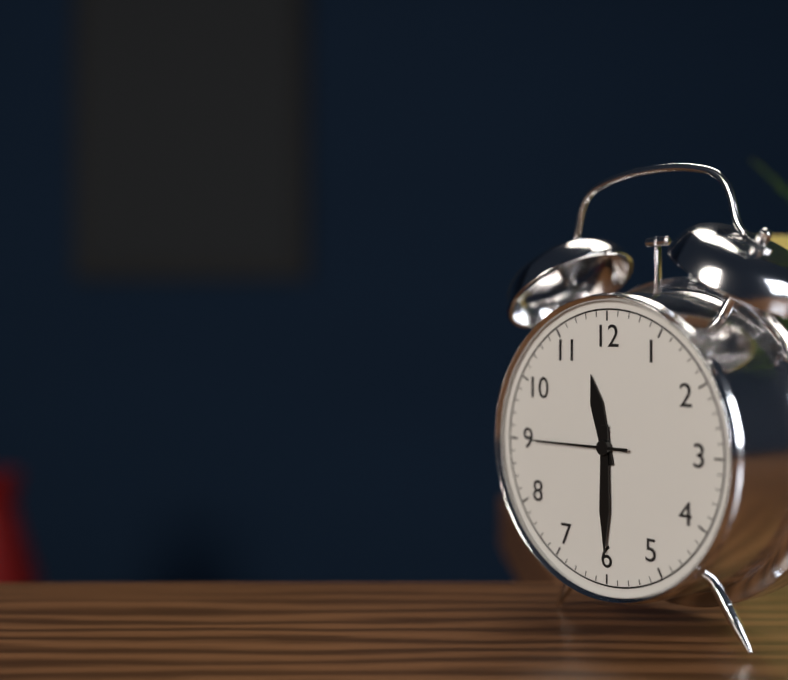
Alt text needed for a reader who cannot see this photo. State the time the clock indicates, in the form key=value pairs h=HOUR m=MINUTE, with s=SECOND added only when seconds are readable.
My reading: h=11 m=30 s=45
